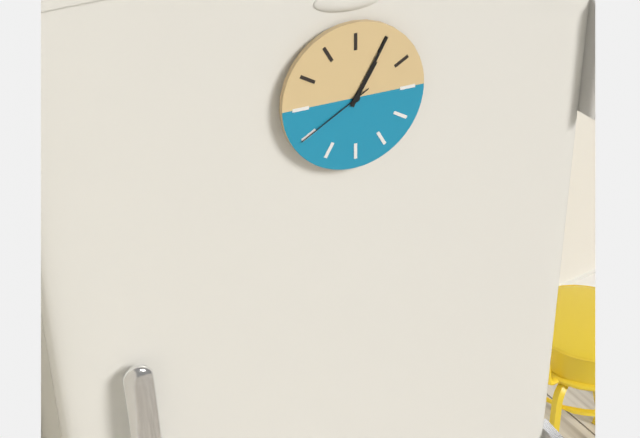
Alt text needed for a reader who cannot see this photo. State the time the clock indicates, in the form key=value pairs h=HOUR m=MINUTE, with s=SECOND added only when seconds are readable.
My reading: h=1 m=5 s=40
